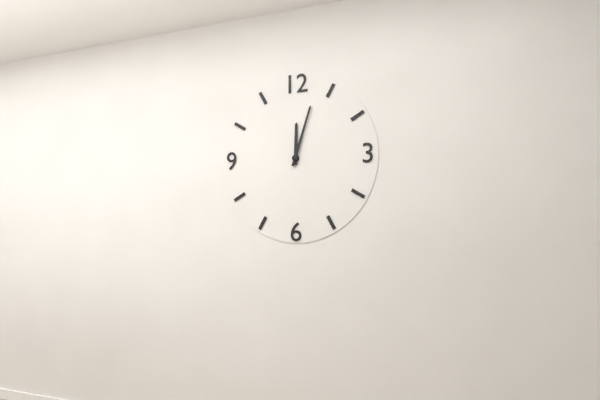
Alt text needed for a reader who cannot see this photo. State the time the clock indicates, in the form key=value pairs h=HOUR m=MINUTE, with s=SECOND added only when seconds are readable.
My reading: h=12 m=3
